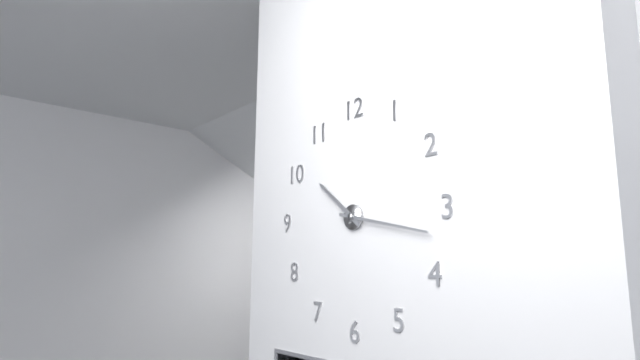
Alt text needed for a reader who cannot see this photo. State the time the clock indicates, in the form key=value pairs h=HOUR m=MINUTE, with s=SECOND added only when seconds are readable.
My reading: h=10 m=17
